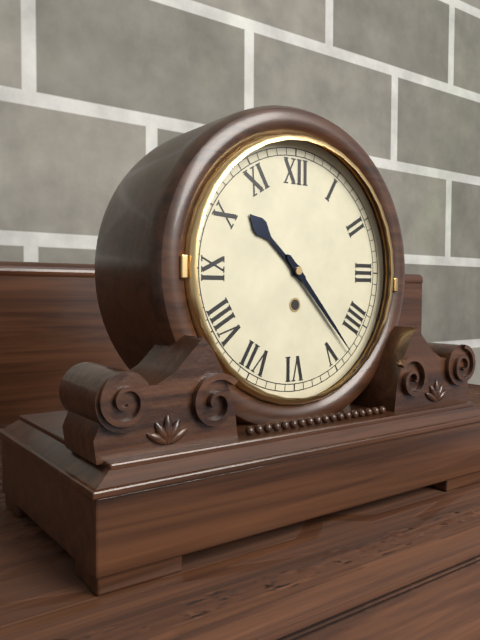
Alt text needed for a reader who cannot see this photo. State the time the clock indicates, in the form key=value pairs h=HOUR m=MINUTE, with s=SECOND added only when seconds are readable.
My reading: h=10 m=23
